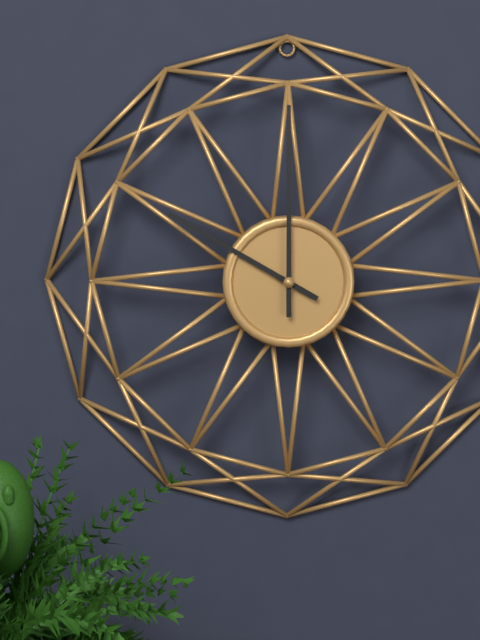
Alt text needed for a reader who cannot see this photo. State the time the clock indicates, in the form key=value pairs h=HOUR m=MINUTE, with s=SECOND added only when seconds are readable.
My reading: h=10 m=0
